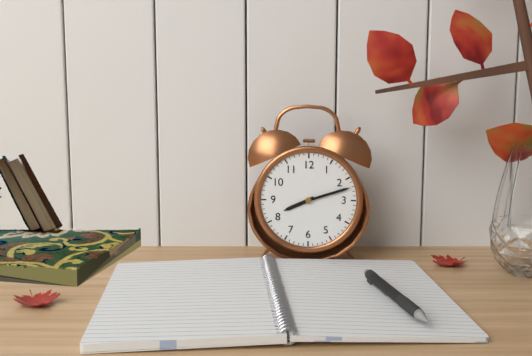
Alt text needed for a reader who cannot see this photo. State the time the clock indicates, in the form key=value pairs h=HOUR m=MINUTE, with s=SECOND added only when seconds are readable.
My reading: h=8 m=12
